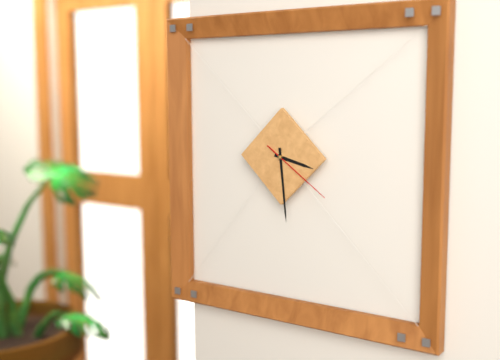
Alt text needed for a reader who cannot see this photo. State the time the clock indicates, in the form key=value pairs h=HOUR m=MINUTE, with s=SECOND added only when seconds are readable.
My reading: h=3 m=29 s=21
